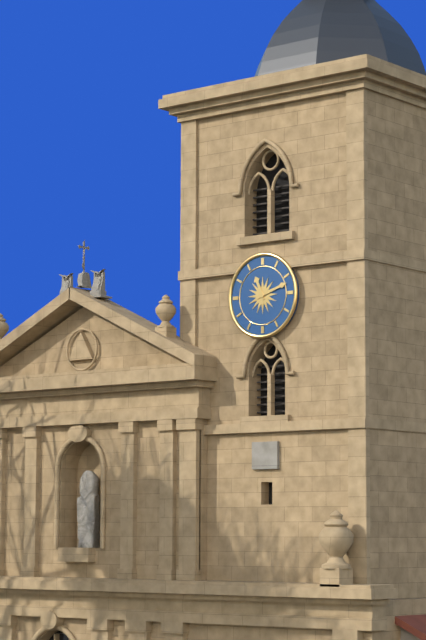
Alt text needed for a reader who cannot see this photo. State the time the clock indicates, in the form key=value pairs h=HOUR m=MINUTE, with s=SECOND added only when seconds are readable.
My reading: h=11 m=12
